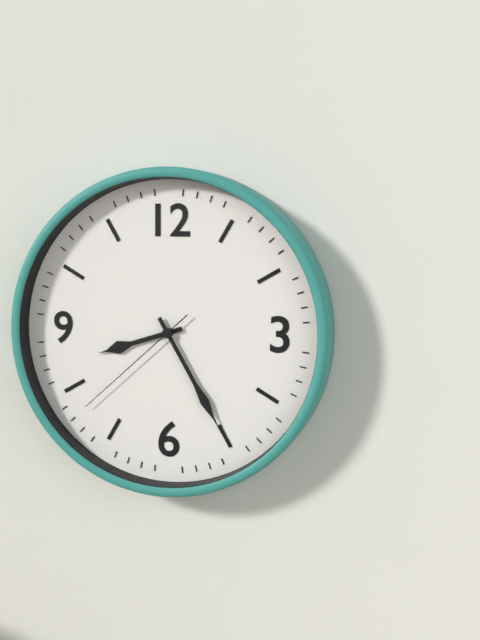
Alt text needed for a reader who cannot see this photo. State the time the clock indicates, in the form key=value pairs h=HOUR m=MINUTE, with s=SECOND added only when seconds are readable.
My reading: h=8 m=25 s=38
